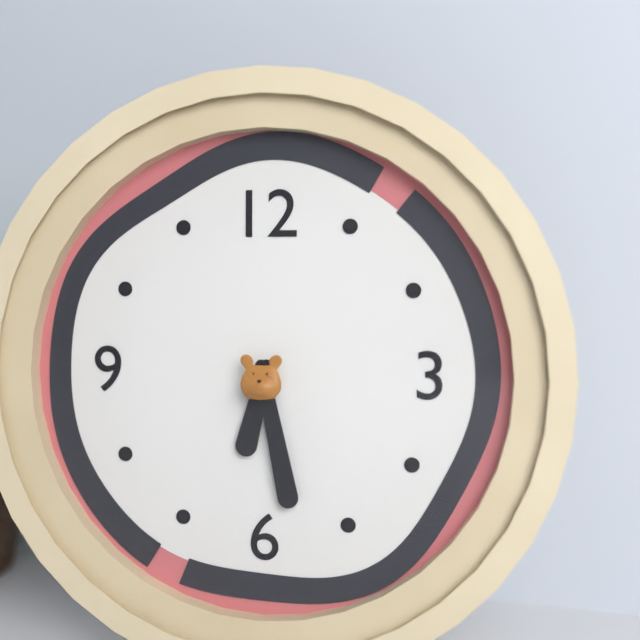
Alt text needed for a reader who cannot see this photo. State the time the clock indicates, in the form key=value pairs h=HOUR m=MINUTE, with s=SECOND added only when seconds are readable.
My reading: h=6 m=28
